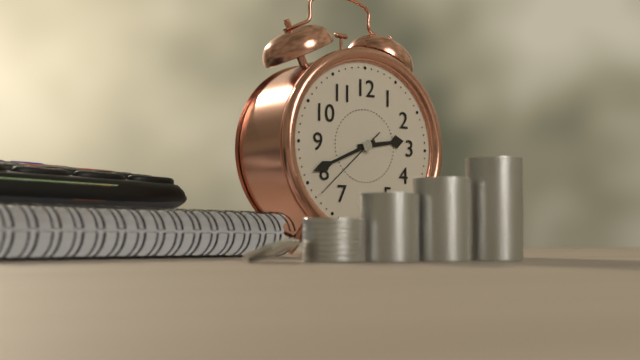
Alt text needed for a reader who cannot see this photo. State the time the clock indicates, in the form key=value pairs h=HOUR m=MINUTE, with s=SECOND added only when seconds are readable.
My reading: h=2 m=41 s=38
